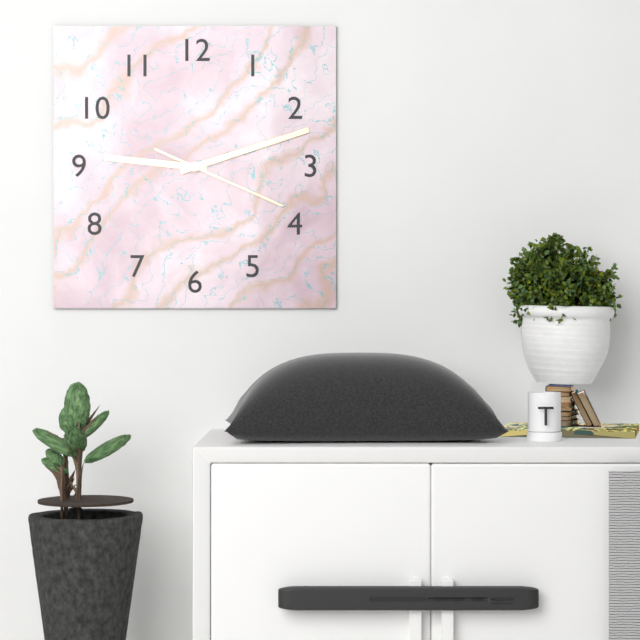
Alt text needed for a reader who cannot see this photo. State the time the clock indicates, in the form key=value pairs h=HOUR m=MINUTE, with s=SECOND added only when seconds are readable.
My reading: h=9 m=12 s=19
